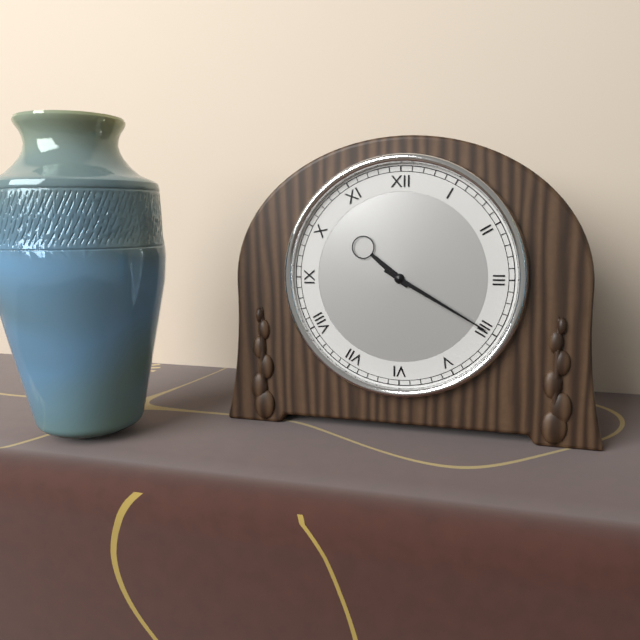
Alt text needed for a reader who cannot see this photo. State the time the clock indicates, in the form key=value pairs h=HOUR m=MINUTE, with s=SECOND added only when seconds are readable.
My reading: h=10 m=20
